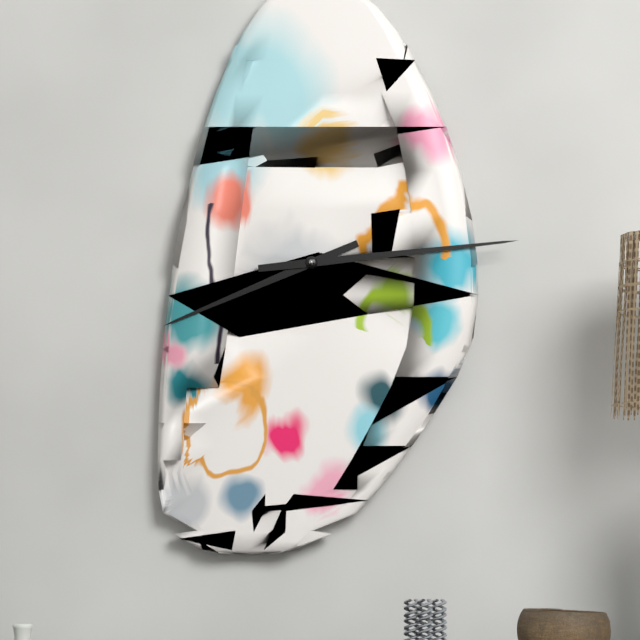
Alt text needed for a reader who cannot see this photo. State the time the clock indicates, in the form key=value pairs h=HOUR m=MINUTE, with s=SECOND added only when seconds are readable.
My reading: h=8 m=14
